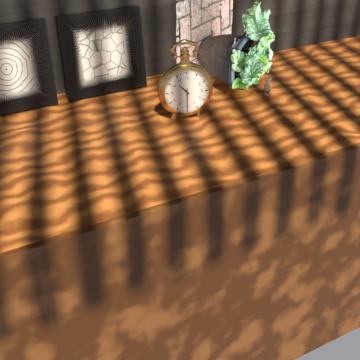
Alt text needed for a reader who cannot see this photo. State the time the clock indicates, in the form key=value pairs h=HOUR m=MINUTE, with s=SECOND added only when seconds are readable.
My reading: h=10 m=30
